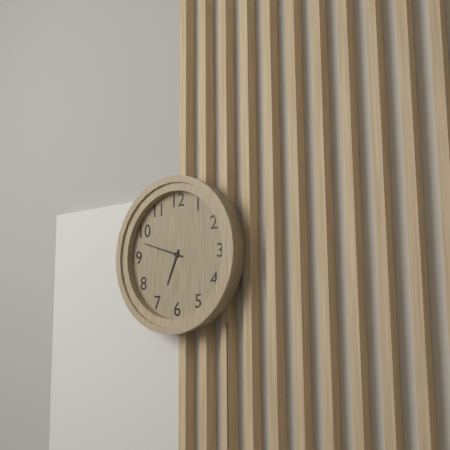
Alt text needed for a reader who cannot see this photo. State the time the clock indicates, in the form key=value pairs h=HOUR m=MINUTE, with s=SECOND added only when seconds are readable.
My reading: h=6 m=48
